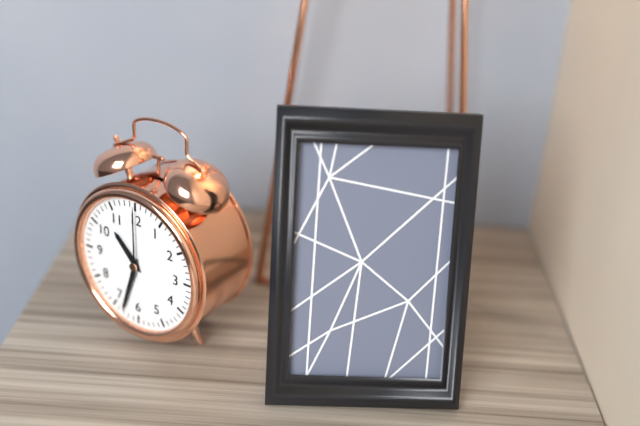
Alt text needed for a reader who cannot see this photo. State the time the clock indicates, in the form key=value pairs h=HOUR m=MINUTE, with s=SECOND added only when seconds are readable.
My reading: h=10 m=33 s=0
